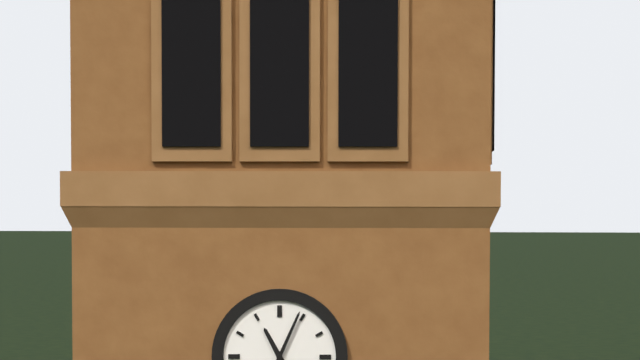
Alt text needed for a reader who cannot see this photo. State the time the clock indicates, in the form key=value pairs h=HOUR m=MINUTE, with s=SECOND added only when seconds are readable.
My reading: h=11 m=4
